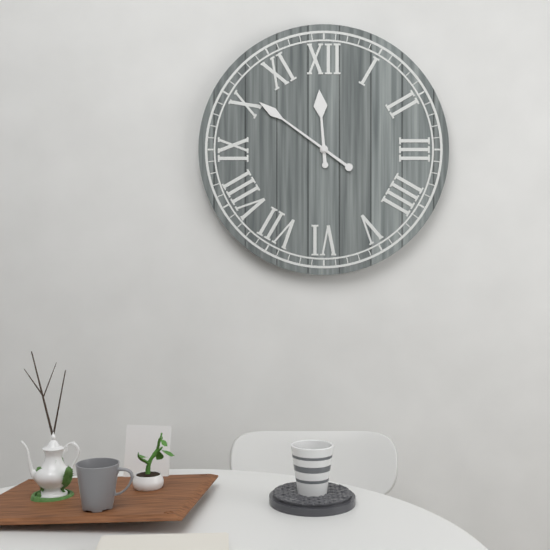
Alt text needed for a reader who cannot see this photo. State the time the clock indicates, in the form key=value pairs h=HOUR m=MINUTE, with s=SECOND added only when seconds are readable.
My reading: h=11 m=51
